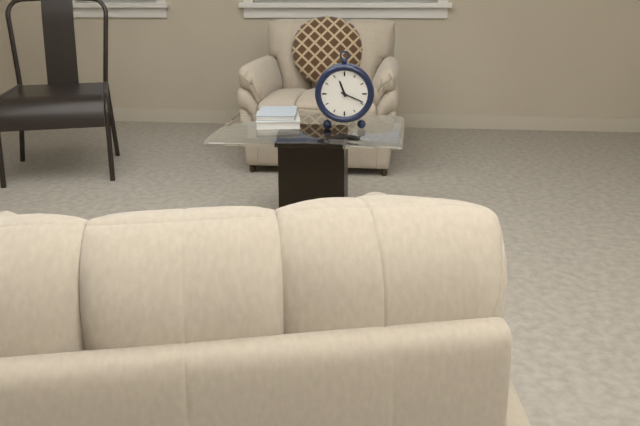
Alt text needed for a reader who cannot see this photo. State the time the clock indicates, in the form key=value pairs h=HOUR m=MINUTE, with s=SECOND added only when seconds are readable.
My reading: h=11 m=19
